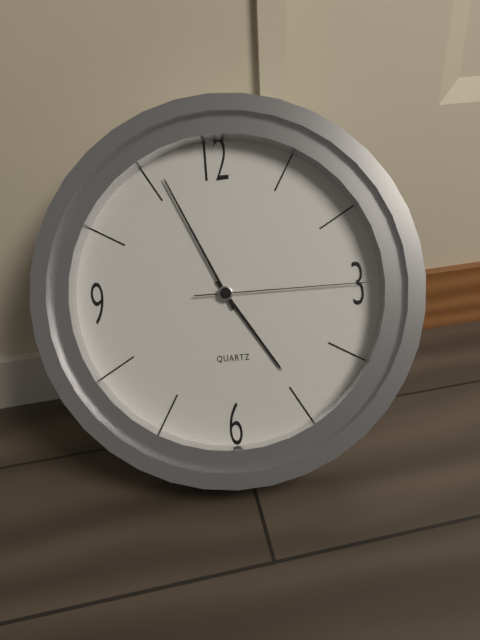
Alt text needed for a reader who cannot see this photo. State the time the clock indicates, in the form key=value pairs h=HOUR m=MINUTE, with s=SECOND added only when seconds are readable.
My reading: h=4 m=56 s=15
